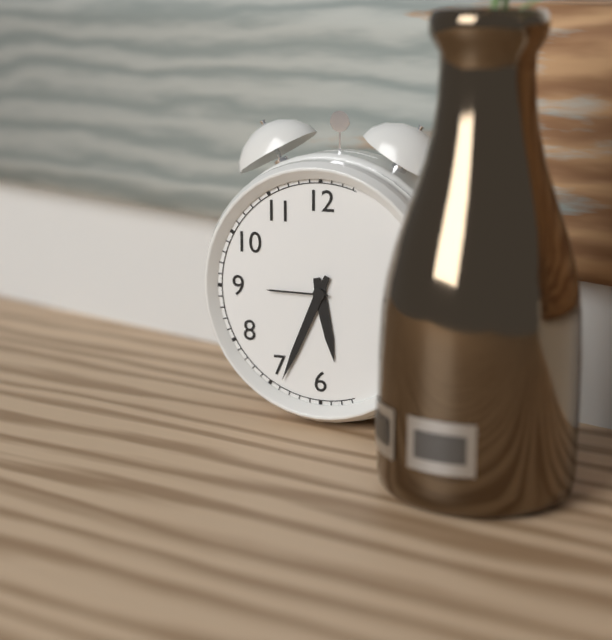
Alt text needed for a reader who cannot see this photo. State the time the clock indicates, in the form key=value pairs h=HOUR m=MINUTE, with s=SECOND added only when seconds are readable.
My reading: h=5 m=34
